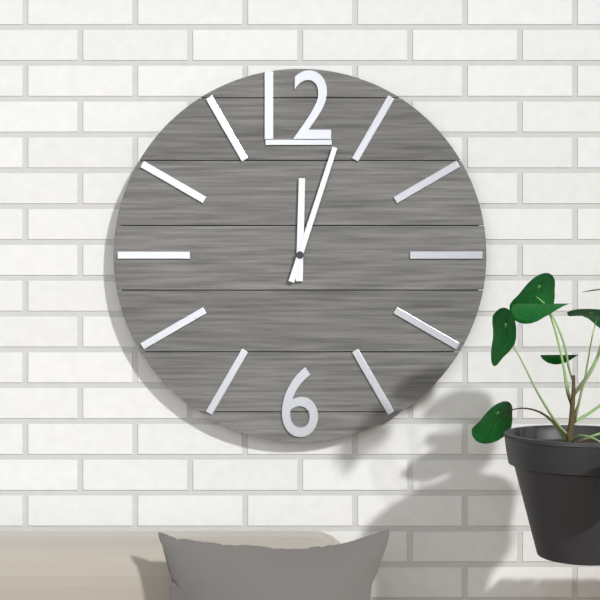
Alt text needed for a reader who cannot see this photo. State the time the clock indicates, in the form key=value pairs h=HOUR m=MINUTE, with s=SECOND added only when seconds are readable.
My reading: h=12 m=3
